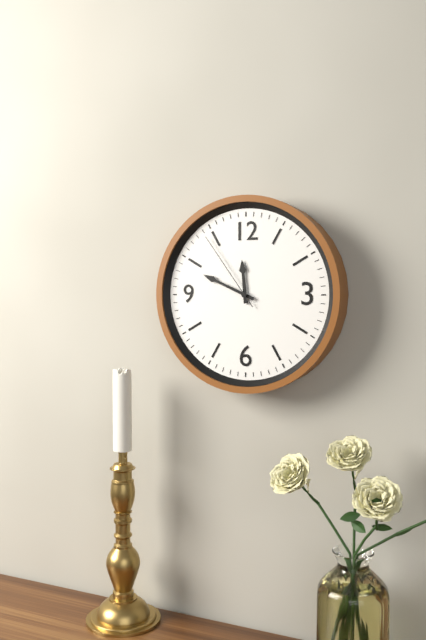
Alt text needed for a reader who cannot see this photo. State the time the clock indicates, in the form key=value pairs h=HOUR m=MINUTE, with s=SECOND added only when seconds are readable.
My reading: h=11 m=49 s=54
